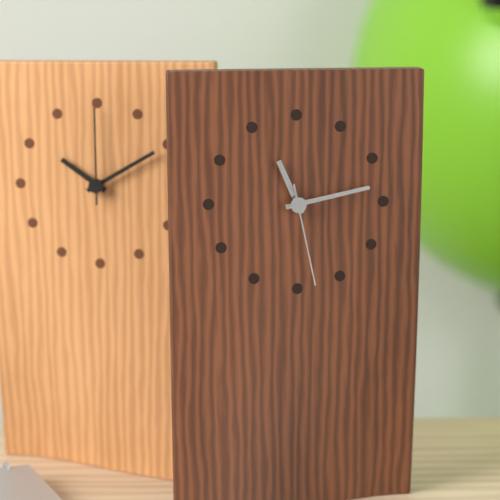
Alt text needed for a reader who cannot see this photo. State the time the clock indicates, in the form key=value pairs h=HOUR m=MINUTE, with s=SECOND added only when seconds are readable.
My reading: h=11 m=13 s=28
